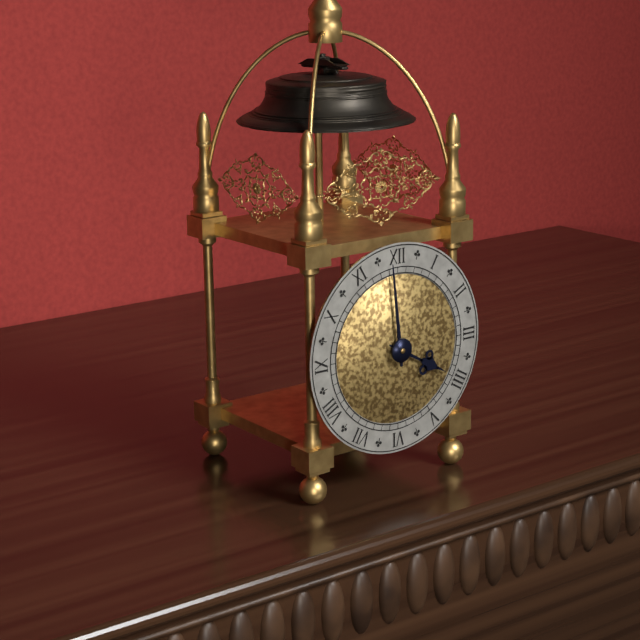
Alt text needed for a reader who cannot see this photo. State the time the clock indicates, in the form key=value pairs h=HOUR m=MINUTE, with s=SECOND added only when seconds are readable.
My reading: h=3 m=59
